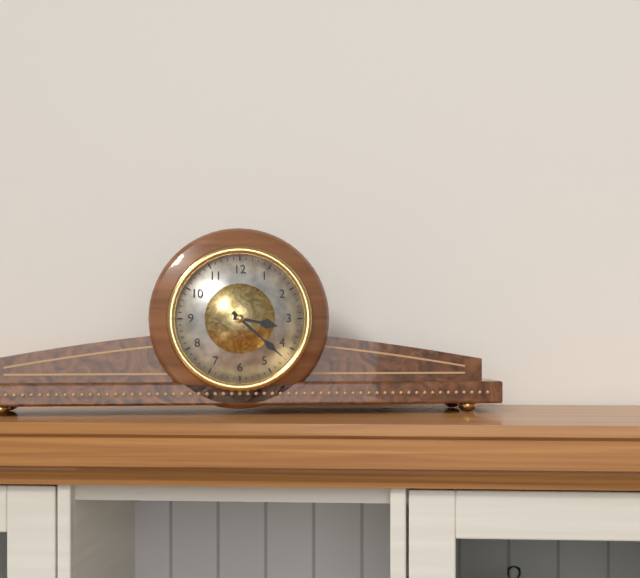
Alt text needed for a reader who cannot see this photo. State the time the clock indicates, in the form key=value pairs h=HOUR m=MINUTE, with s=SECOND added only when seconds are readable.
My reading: h=3 m=22
